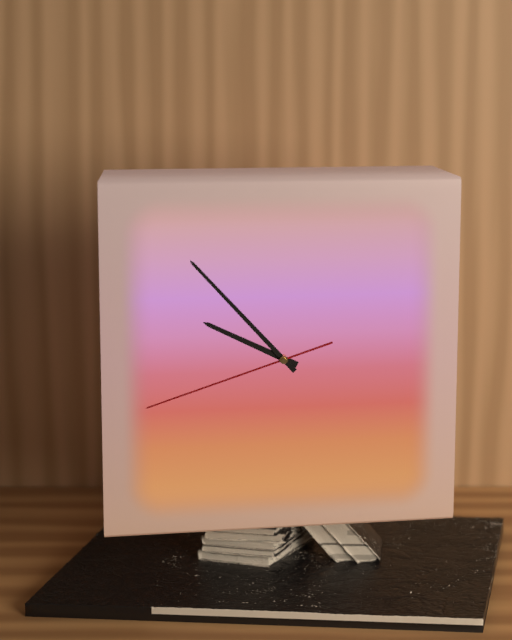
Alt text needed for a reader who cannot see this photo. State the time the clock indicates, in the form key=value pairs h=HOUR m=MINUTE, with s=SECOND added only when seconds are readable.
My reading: h=9 m=53 s=42
